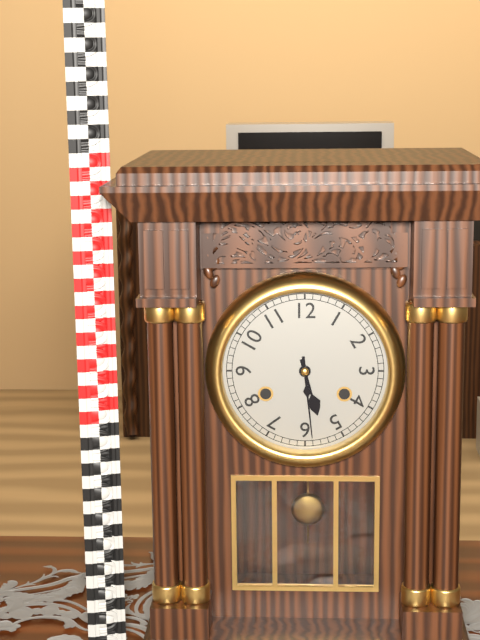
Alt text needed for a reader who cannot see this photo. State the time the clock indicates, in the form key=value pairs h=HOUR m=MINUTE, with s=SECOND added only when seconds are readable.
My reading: h=5 m=29
